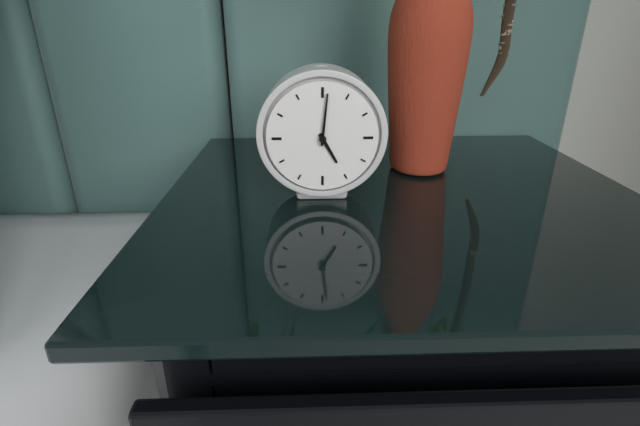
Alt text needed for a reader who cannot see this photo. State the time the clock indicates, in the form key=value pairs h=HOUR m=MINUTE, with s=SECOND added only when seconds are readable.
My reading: h=5 m=1
